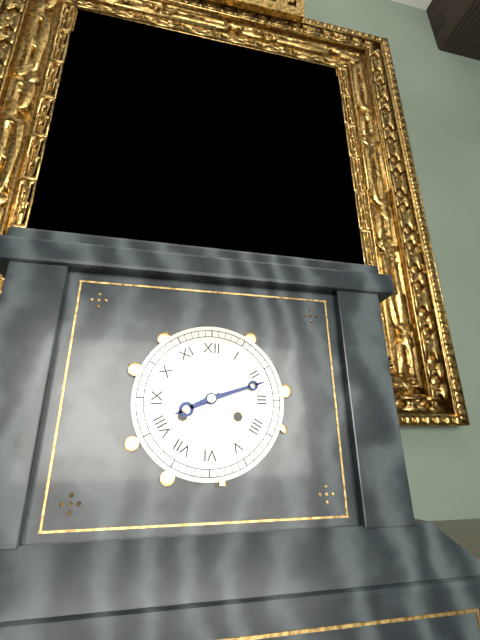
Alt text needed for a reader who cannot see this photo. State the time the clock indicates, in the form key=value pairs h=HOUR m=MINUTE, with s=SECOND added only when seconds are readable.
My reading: h=8 m=12
